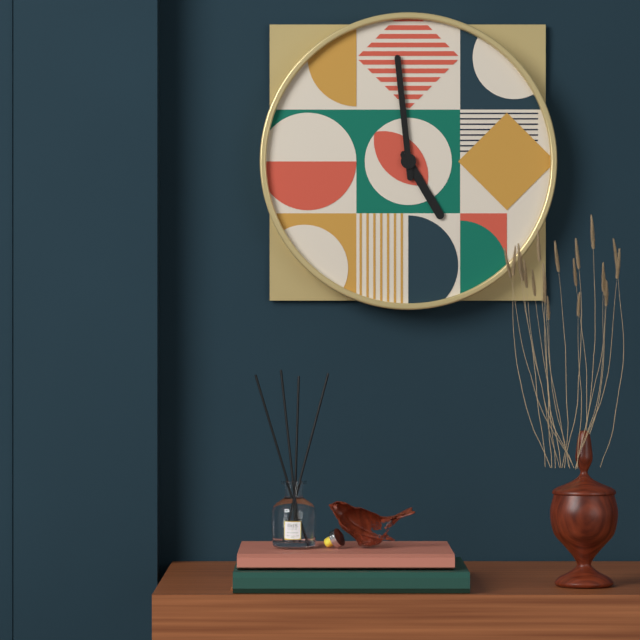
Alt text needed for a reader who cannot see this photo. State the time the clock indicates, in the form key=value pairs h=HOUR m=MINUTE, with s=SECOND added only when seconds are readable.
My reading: h=4 m=59
